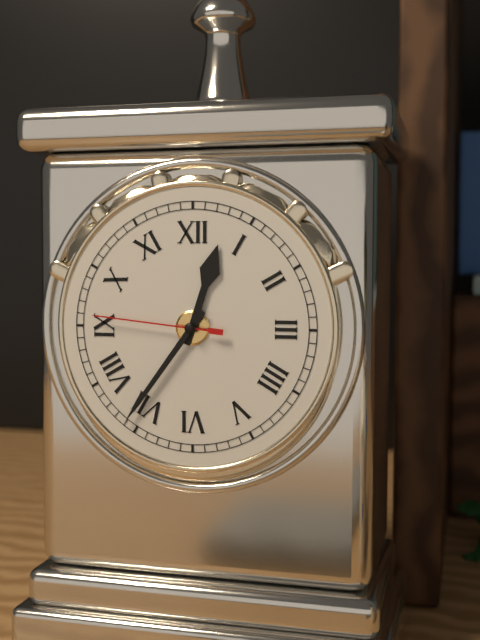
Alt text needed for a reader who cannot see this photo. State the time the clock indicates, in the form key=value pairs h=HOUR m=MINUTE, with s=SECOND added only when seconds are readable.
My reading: h=12 m=36 s=46
